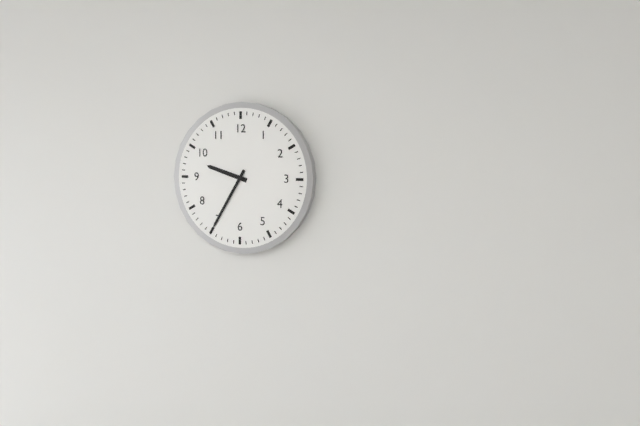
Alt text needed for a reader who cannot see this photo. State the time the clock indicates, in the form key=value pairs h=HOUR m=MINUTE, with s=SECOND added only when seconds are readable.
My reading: h=9 m=35
